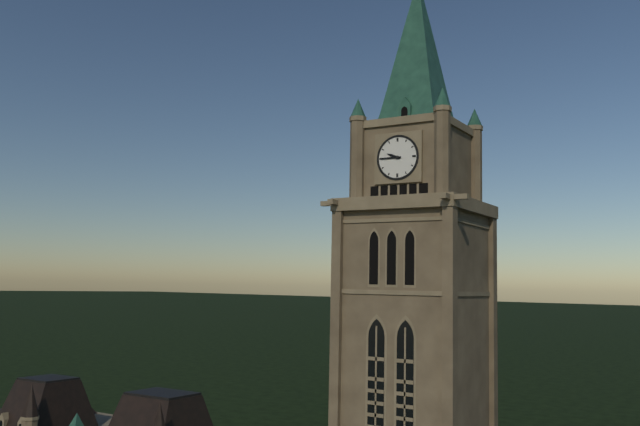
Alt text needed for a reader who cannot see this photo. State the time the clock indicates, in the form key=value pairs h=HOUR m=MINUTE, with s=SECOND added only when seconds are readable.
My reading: h=9 m=45
